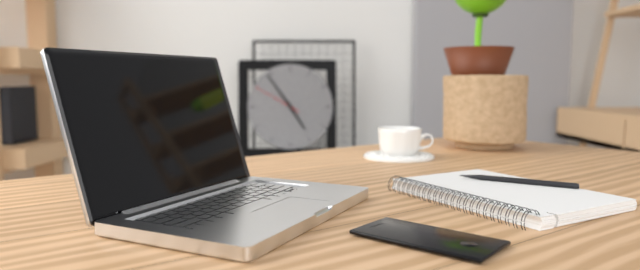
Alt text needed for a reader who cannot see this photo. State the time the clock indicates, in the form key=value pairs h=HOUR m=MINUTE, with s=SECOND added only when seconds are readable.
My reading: h=4 m=54 s=50
